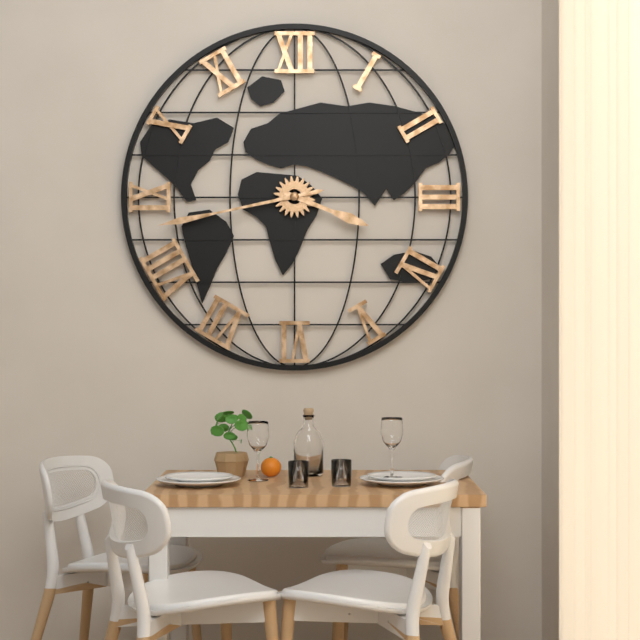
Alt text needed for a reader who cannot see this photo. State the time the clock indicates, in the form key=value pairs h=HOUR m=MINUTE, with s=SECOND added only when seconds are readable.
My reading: h=3 m=43
